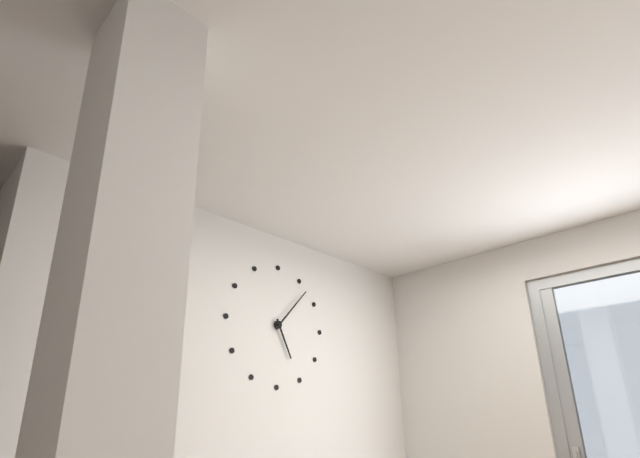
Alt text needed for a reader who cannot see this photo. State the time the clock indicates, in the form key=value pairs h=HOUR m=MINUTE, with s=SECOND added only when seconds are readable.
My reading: h=5 m=7
